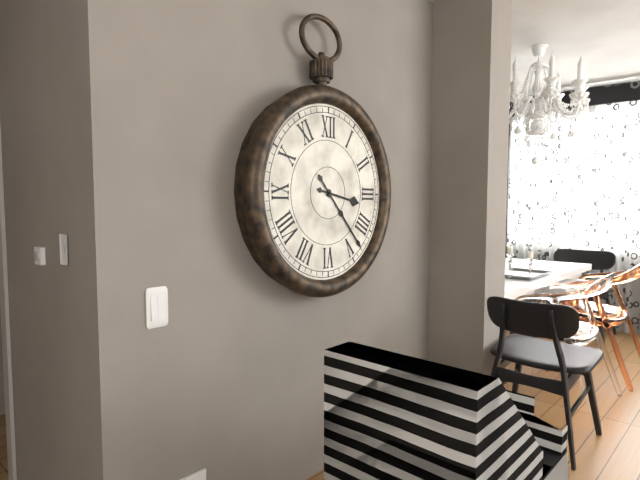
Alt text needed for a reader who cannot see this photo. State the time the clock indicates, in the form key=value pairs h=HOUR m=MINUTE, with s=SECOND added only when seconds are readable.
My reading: h=3 m=23
